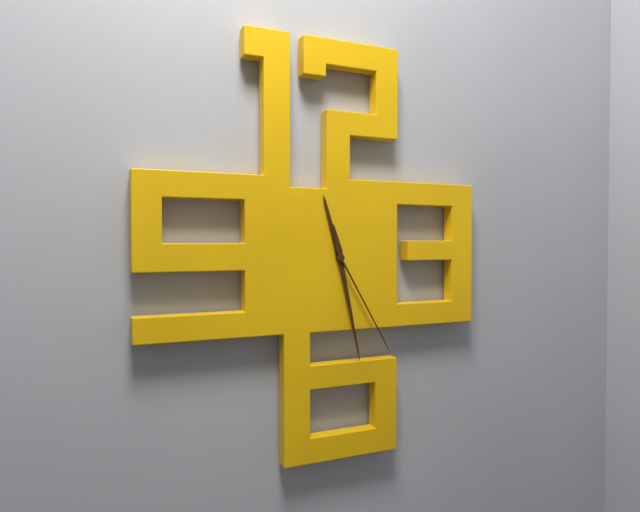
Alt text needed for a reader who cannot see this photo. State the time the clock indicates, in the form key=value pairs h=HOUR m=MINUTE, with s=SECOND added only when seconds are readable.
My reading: h=11 m=28 s=25
